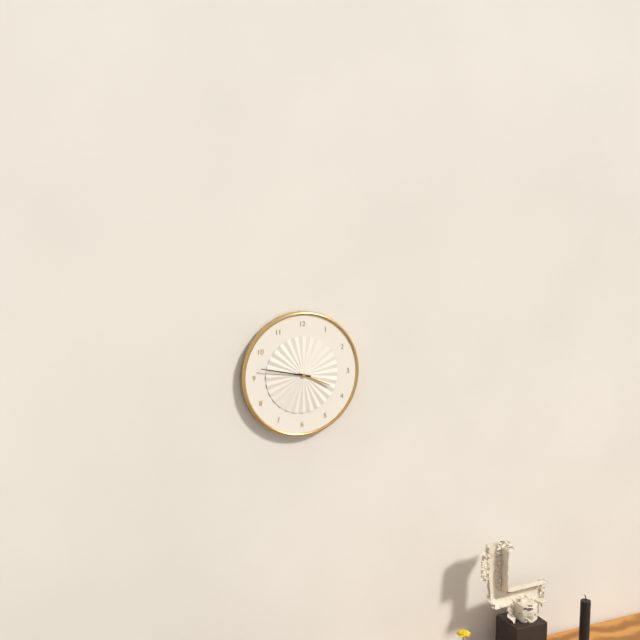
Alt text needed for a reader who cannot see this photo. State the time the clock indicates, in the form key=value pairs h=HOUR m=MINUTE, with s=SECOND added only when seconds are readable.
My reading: h=3 m=47
